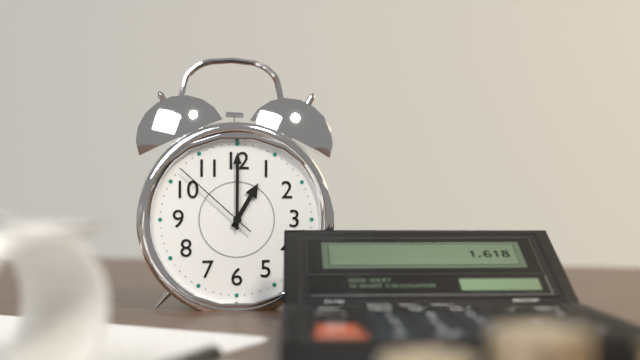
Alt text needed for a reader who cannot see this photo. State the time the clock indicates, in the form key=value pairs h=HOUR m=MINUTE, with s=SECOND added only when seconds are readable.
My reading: h=1 m=0 s=52
